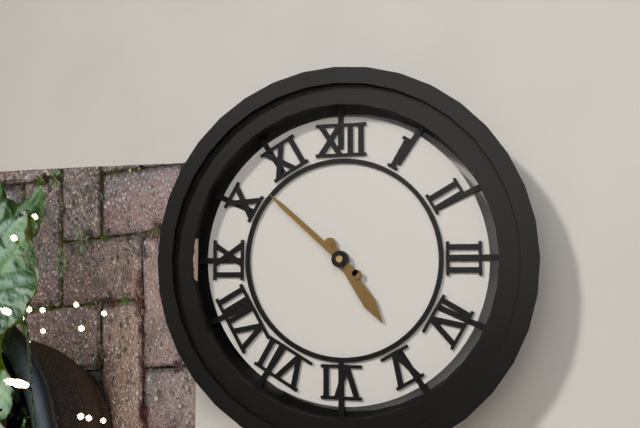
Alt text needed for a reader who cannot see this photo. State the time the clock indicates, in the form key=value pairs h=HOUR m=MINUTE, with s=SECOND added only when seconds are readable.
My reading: h=4 m=52
